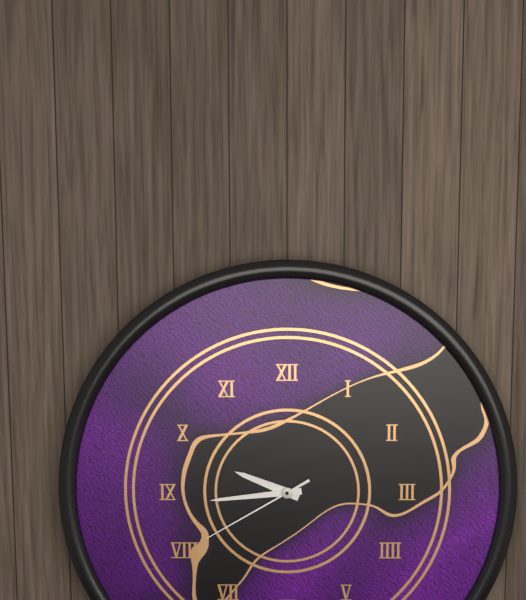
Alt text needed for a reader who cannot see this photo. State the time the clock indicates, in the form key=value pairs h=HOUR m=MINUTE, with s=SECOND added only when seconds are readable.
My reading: h=9 m=44 s=40
